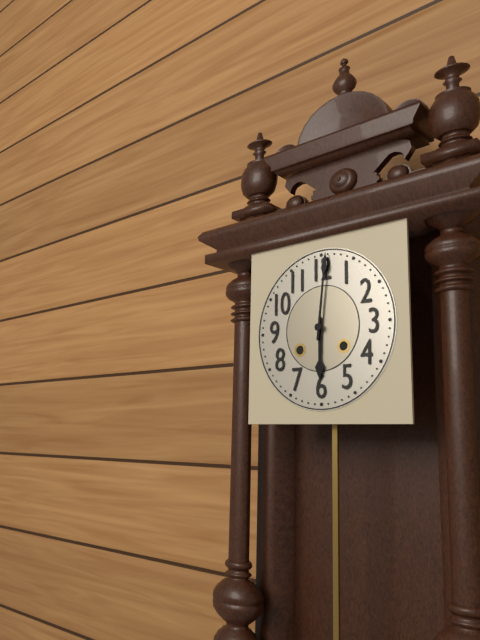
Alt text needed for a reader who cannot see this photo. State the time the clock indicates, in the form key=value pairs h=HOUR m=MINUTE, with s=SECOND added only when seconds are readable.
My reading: h=6 m=1
